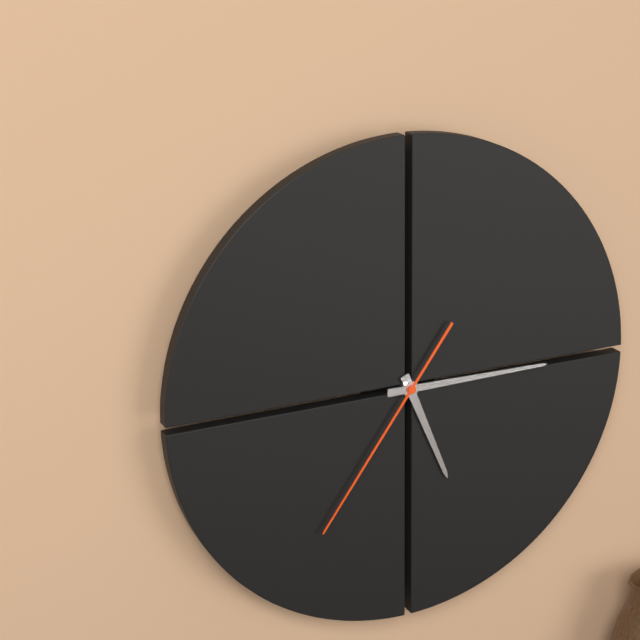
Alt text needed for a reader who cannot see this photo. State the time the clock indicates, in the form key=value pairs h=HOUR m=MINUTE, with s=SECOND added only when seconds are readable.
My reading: h=5 m=15 s=36
